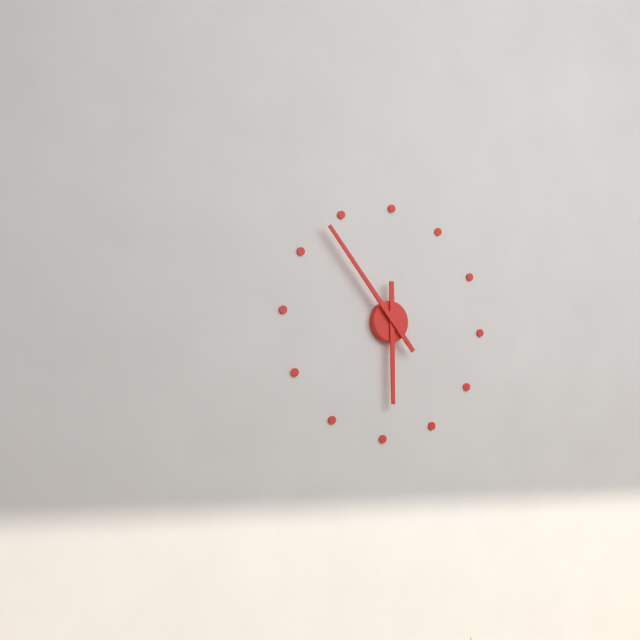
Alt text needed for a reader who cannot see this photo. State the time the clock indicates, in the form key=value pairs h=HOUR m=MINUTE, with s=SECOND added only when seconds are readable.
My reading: h=5 m=53
